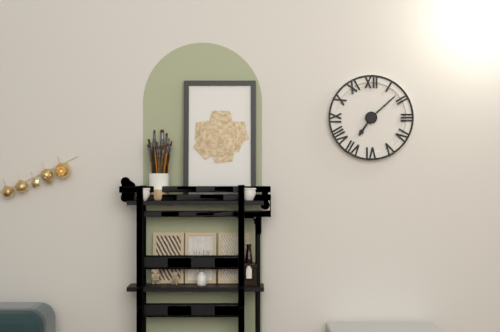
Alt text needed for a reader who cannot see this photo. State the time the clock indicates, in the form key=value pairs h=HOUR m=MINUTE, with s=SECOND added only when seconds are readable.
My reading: h=7 m=8
